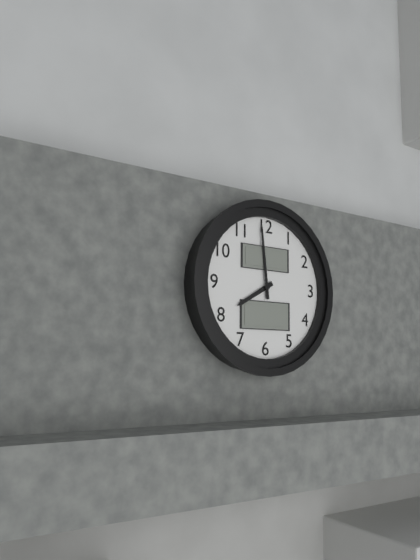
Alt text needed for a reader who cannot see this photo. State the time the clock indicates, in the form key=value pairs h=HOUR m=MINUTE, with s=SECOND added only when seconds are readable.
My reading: h=7 m=59
